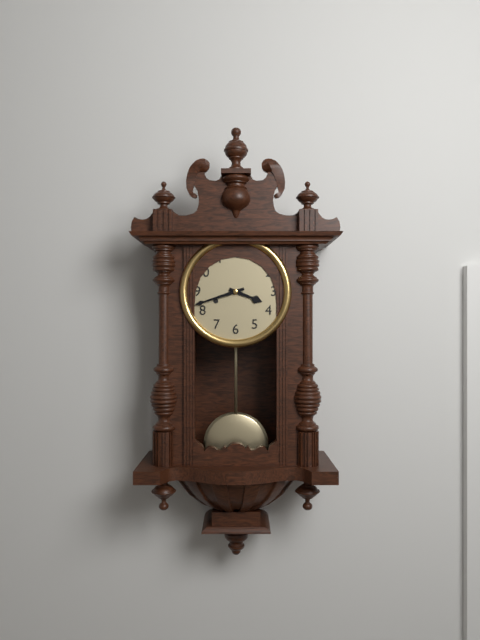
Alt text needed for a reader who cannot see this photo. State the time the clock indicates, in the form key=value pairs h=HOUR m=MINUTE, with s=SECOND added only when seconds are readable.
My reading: h=3 m=42
